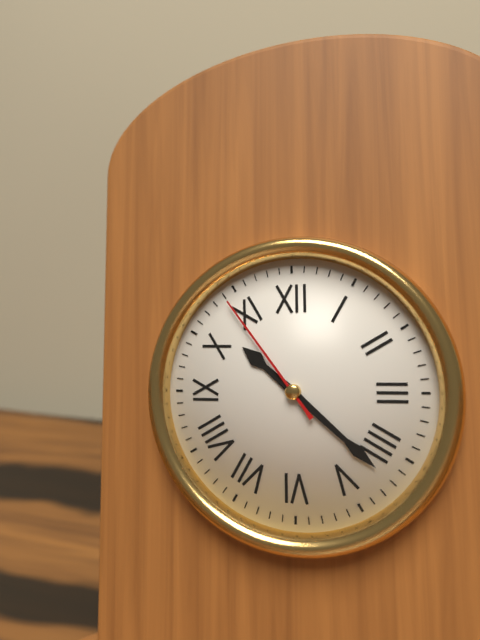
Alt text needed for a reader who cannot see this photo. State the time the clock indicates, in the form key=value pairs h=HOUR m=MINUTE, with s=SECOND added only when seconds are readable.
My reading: h=10 m=22 s=54
